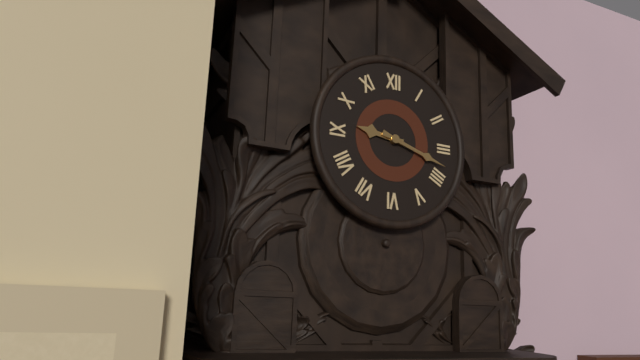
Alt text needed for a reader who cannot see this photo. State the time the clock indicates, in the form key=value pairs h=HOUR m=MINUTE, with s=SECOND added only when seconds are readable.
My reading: h=9 m=18
